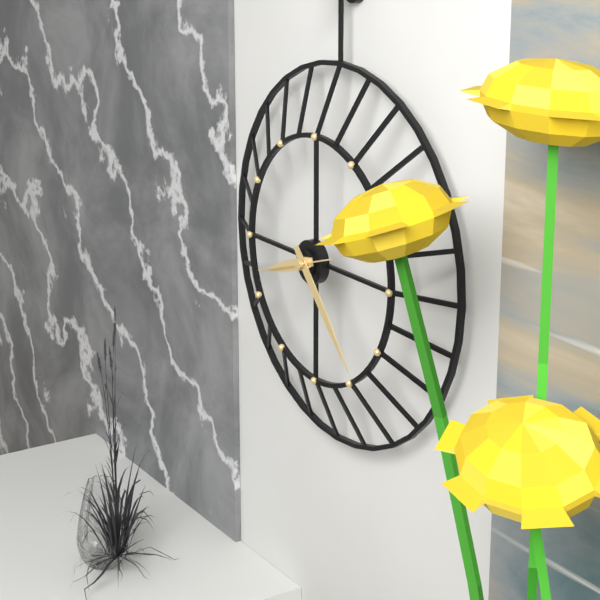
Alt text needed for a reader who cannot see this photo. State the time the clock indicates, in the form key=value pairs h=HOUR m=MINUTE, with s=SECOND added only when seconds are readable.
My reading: h=8 m=23 s=42
